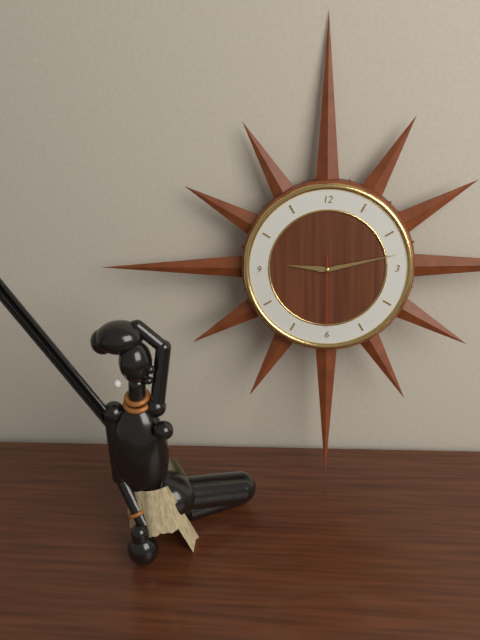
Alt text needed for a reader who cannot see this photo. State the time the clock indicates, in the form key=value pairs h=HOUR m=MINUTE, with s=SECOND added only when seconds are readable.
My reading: h=9 m=13 s=30
